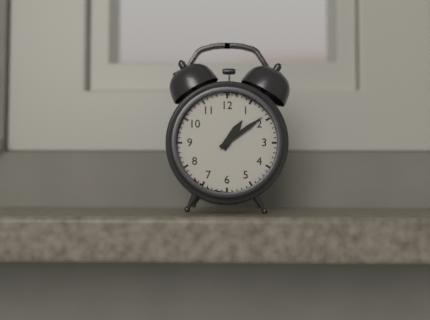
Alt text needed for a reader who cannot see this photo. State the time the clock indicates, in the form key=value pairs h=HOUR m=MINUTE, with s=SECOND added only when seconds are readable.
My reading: h=1 m=9
